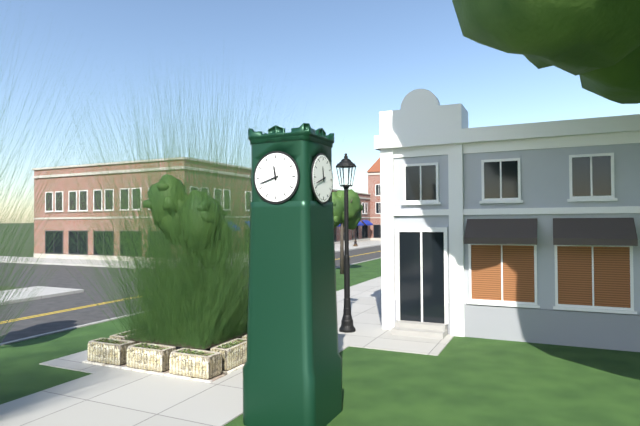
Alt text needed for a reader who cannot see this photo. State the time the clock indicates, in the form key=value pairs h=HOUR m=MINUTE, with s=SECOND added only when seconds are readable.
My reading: h=11 m=42
